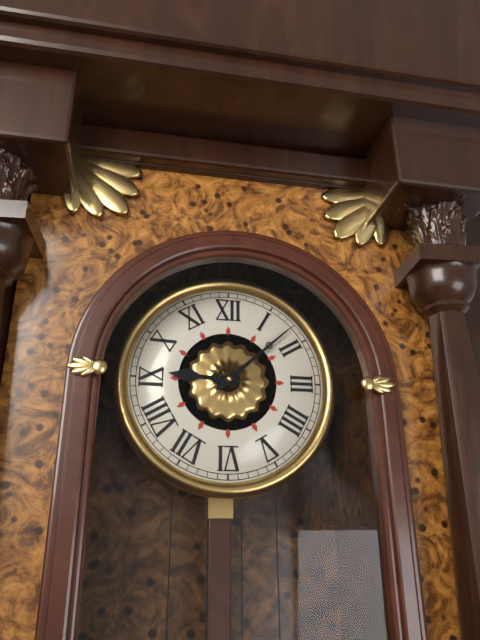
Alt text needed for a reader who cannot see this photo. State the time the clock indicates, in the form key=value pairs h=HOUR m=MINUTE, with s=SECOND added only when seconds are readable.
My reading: h=9 m=8
